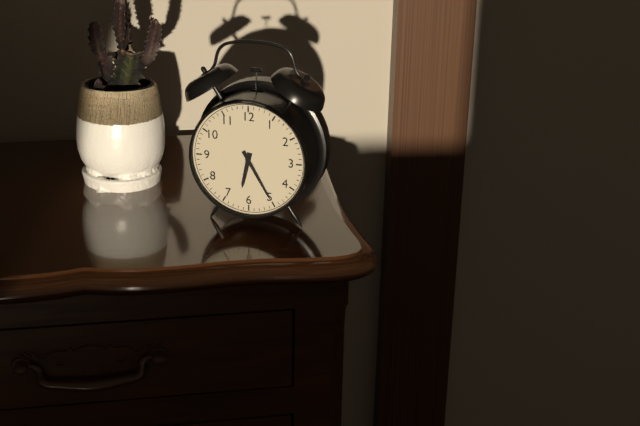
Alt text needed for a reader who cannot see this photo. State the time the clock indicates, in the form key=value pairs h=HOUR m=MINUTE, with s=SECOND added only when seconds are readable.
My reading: h=6 m=25
